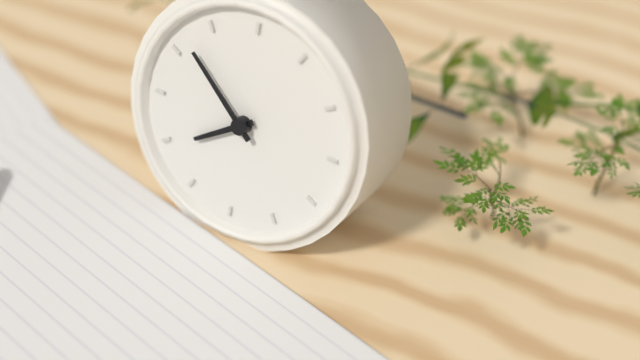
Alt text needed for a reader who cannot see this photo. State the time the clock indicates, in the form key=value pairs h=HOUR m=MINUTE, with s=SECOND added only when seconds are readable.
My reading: h=7 m=52
